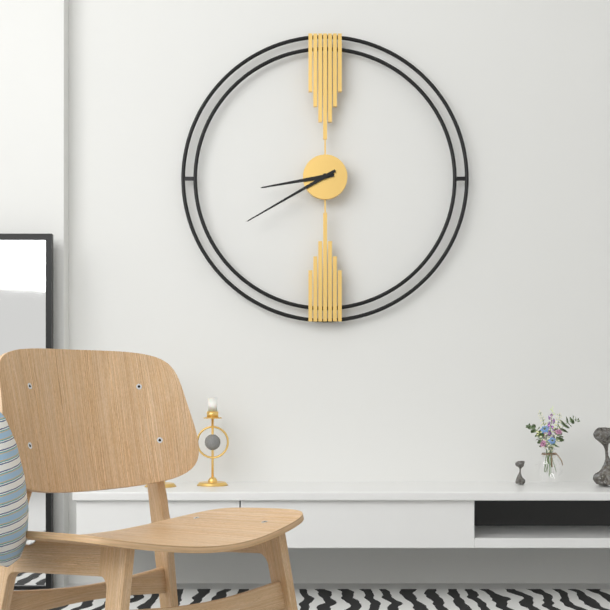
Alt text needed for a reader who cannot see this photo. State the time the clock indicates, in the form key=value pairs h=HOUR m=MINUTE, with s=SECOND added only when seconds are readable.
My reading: h=8 m=40
